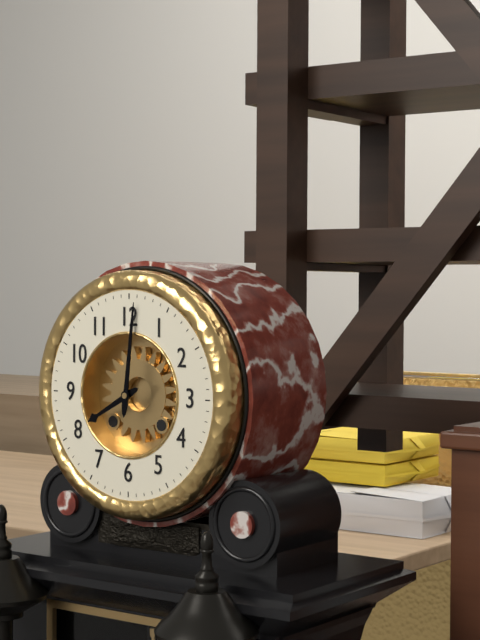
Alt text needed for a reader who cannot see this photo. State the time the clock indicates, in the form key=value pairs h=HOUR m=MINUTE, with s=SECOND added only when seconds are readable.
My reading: h=8 m=1
